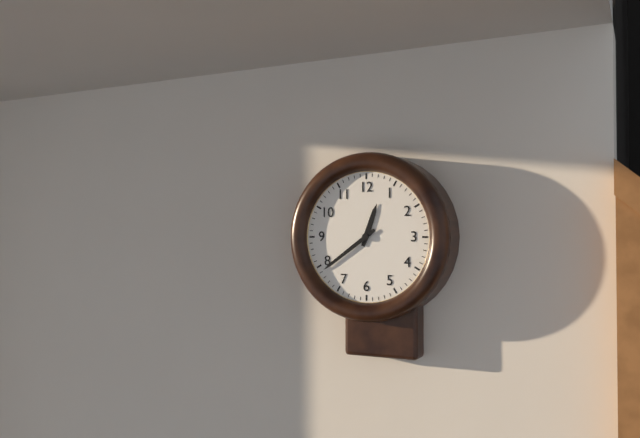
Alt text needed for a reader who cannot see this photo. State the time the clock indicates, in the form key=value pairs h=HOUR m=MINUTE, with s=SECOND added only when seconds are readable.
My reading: h=12 m=39
